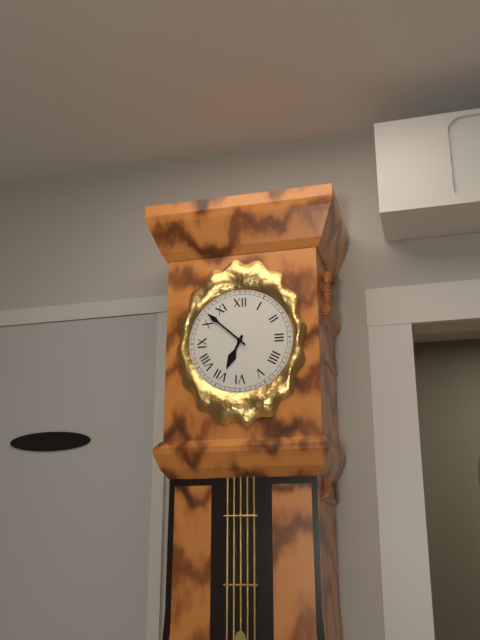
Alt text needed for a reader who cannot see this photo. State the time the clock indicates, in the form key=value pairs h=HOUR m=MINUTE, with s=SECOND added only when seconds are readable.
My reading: h=6 m=52
